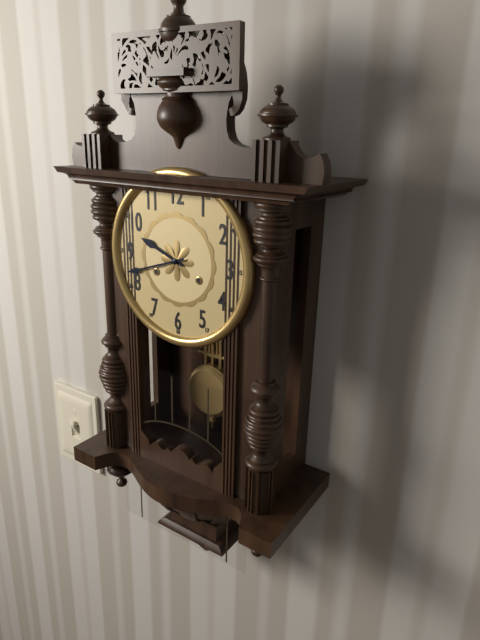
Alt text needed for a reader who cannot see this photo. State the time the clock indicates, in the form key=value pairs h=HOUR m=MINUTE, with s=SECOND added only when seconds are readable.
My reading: h=9 m=42
